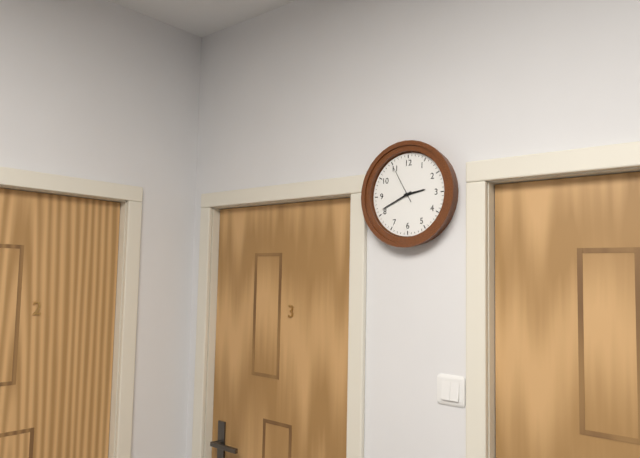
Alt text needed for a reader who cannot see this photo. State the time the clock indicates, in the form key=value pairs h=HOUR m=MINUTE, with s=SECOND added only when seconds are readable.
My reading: h=2 m=41
